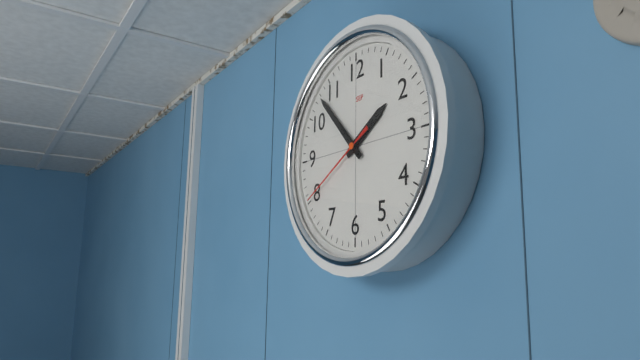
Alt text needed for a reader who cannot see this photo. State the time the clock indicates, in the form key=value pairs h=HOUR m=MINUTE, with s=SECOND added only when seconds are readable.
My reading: h=1 m=53 s=40
